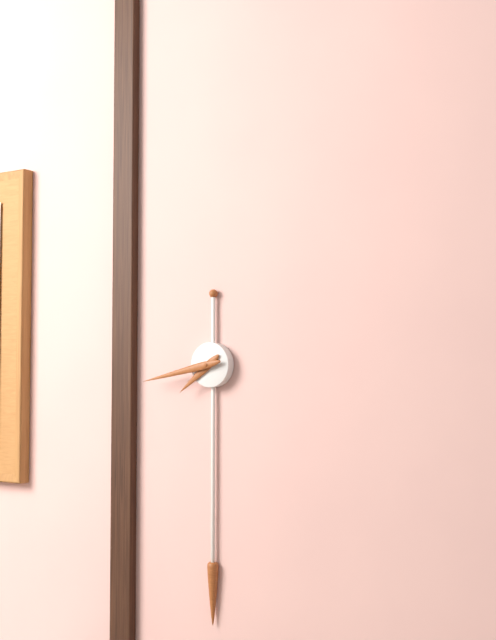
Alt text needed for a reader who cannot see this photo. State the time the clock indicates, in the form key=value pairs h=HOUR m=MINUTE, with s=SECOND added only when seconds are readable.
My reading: h=7 m=43
